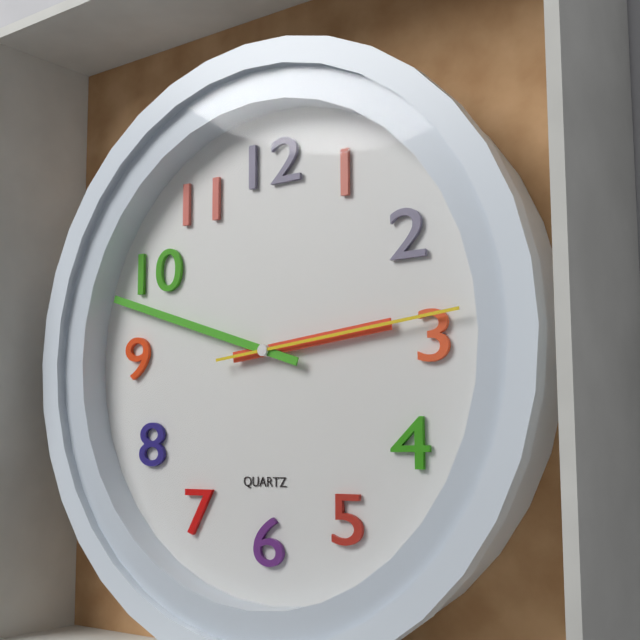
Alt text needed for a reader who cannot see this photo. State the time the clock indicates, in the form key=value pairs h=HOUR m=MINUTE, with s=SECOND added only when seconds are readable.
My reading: h=2 m=48 s=14
